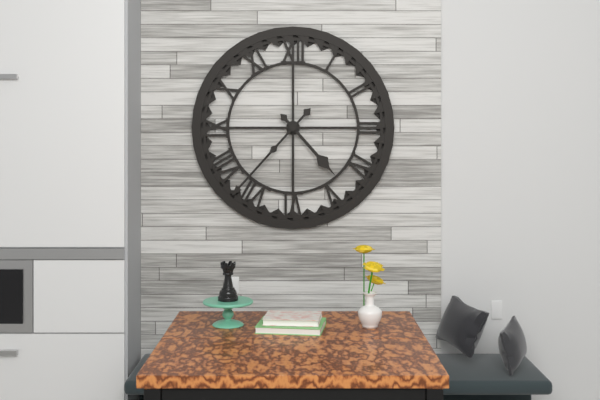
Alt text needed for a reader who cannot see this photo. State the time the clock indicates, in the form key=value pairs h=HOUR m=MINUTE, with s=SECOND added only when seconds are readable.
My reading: h=4 m=37
